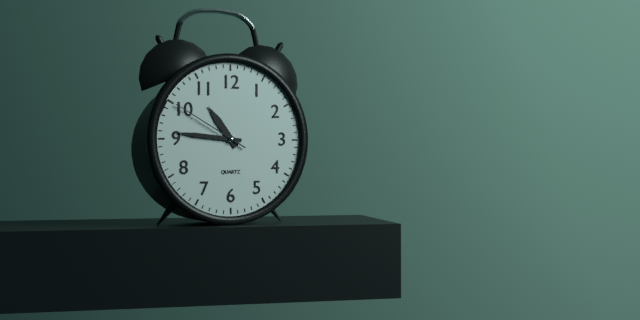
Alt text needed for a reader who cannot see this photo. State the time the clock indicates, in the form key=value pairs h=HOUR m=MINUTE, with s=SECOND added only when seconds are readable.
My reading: h=10 m=46 s=50
